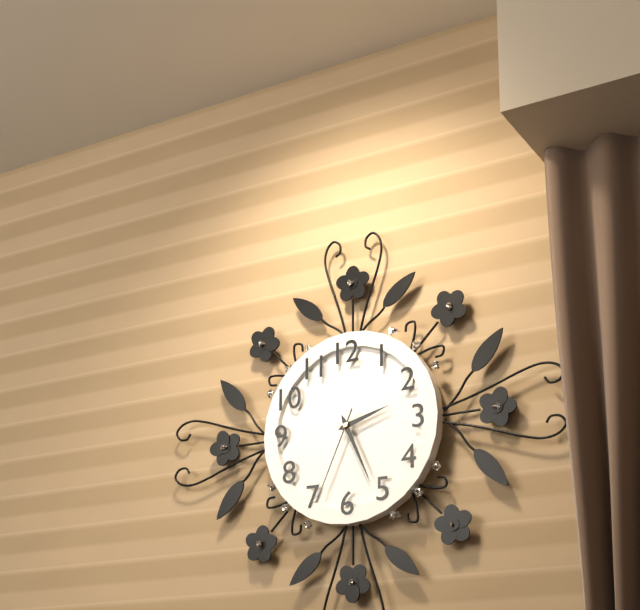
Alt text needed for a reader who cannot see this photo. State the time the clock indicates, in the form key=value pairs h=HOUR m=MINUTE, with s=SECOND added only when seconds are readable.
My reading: h=2 m=26 s=34
